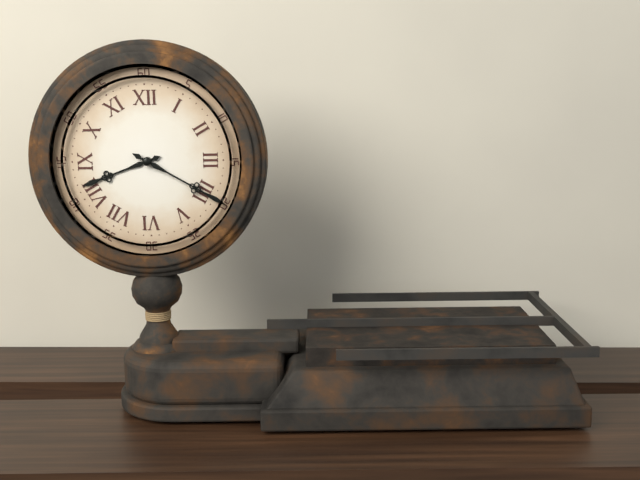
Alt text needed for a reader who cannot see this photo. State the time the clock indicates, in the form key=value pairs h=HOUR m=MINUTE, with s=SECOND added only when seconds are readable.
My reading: h=8 m=20
